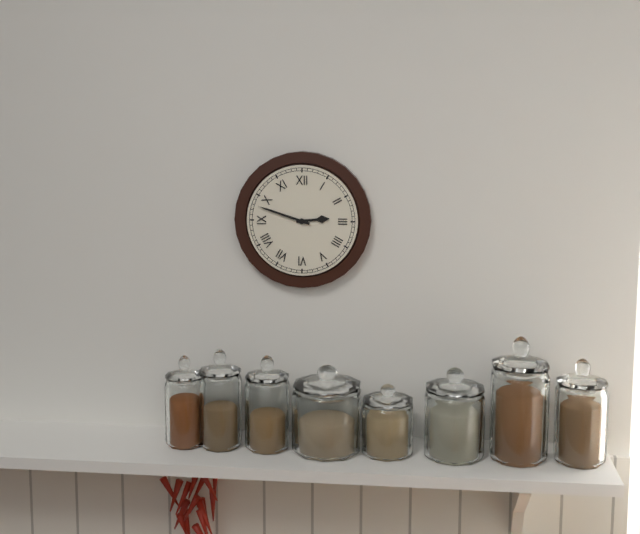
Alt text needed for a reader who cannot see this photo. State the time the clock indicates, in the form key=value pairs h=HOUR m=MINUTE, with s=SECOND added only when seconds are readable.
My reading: h=2 m=48
